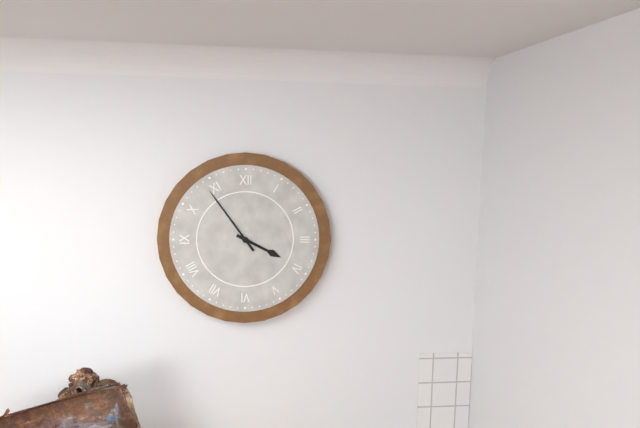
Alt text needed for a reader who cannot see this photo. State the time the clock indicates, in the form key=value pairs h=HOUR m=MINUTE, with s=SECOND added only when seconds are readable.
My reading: h=3 m=54
